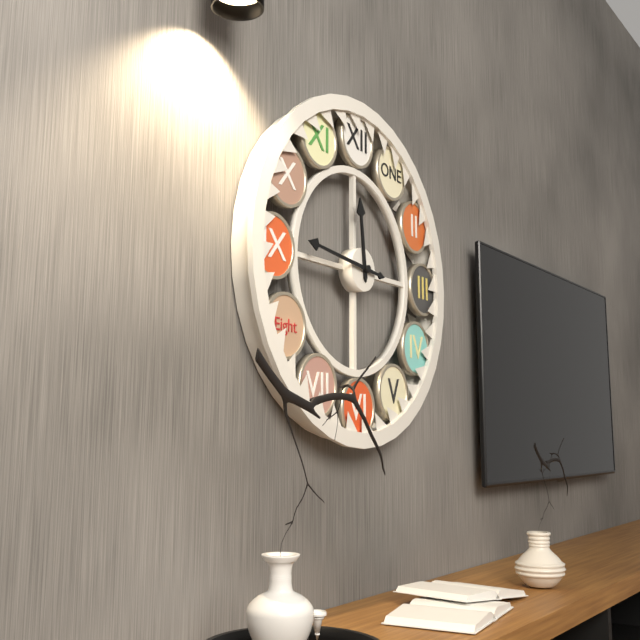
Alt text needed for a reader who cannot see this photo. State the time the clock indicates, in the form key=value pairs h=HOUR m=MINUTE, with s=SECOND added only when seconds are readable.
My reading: h=11 m=46
